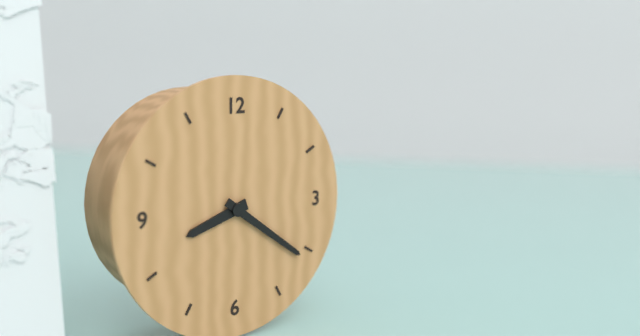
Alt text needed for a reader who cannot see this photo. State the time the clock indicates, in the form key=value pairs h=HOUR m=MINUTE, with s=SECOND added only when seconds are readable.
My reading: h=8 m=21
